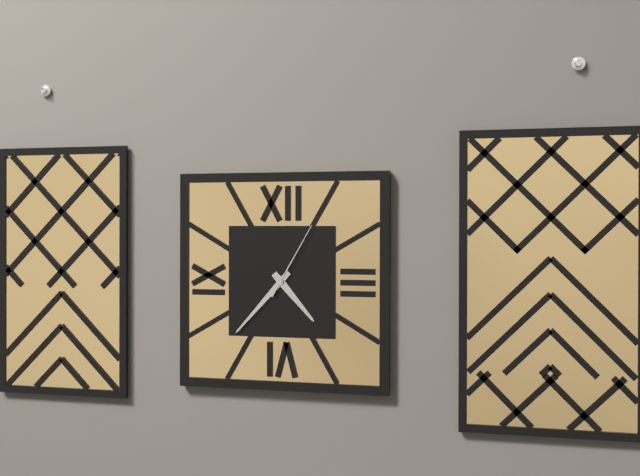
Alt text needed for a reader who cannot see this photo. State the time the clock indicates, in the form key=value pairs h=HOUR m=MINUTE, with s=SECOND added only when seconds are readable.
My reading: h=4 m=37 s=5
